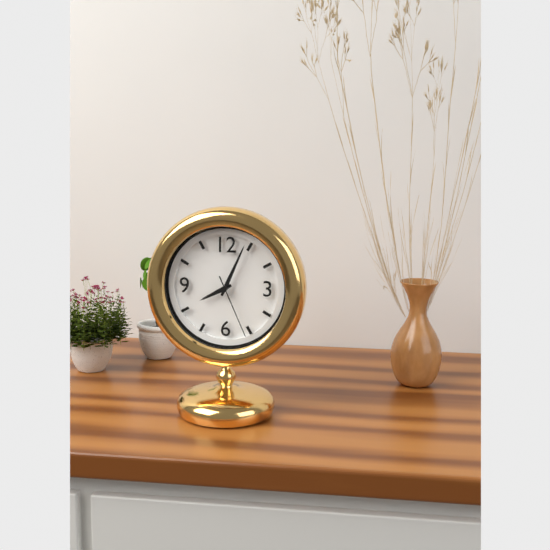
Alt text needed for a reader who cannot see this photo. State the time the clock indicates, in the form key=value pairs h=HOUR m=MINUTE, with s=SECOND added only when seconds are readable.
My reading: h=8 m=4 s=26
